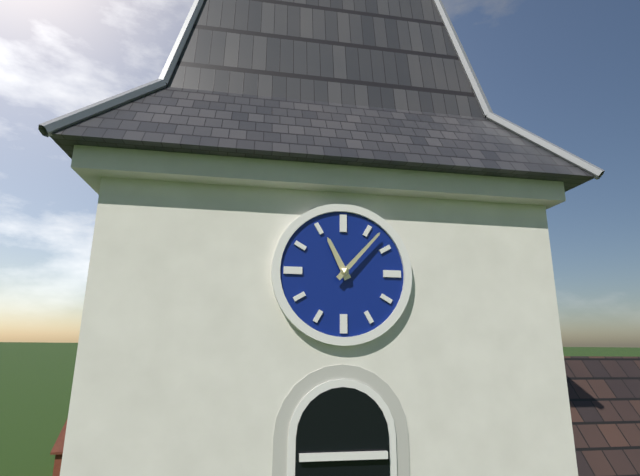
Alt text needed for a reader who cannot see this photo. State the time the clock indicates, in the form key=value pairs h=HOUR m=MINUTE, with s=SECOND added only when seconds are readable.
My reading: h=11 m=7
